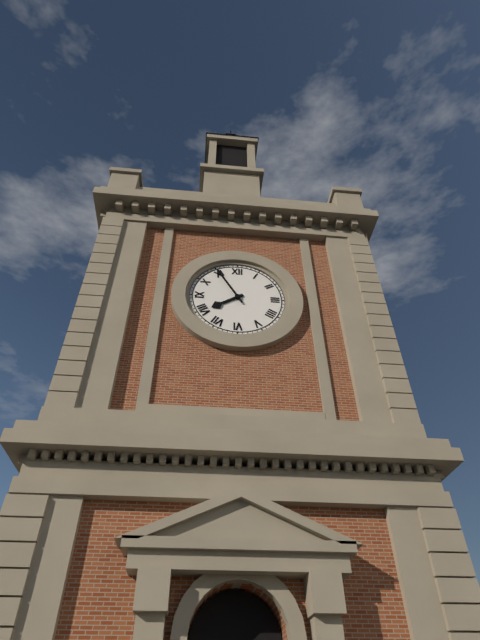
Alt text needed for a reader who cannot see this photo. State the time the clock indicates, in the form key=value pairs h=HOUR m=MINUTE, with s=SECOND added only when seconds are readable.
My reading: h=7 m=55
